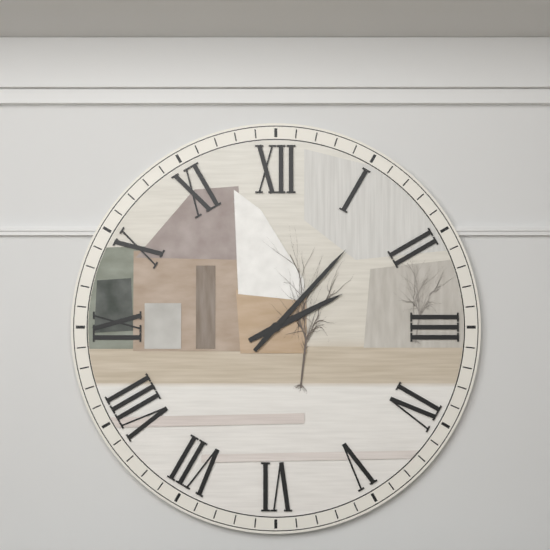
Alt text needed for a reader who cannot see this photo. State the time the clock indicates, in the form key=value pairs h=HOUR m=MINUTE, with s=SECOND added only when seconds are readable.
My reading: h=2 m=7
